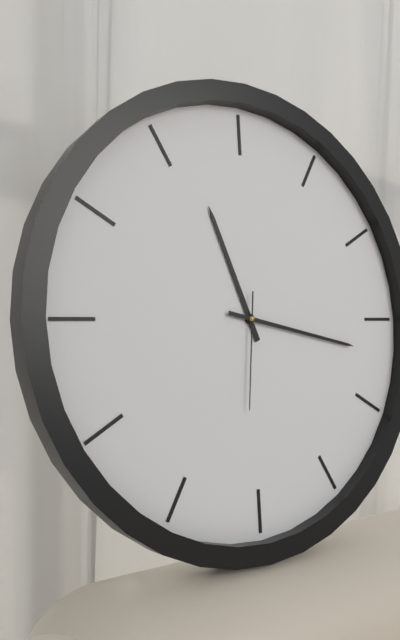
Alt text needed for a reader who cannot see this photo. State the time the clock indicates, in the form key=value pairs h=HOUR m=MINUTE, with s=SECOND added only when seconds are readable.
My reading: h=11 m=17 s=31
